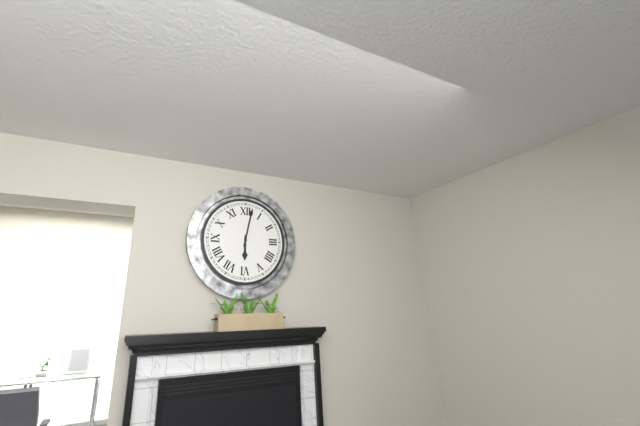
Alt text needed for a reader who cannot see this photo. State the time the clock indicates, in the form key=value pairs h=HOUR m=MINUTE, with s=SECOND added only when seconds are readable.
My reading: h=6 m=2
